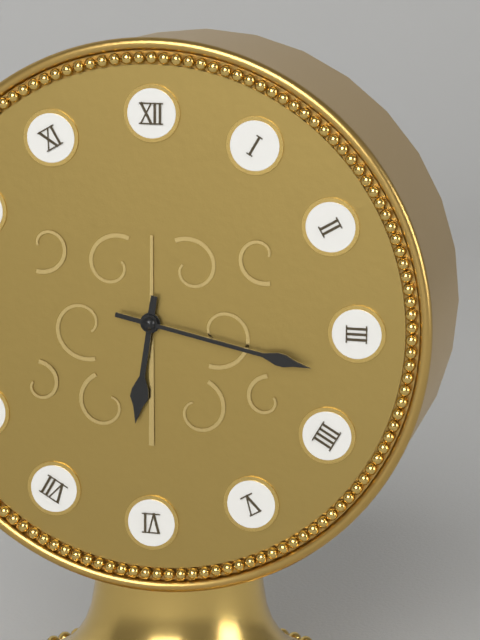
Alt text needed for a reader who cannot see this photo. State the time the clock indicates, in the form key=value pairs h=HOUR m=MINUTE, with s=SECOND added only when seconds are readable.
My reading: h=6 m=17
